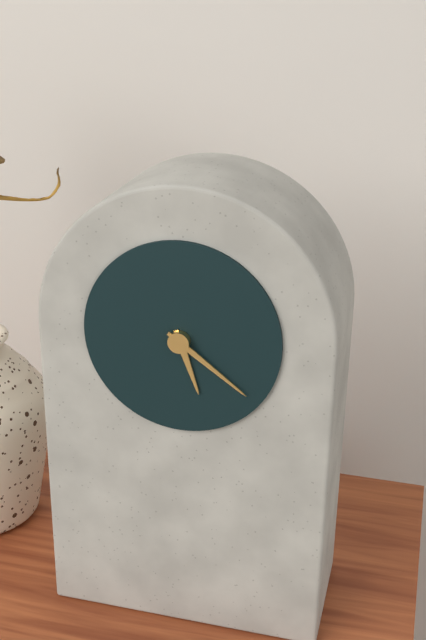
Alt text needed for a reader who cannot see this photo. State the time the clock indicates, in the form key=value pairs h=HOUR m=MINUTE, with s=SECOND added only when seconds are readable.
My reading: h=5 m=21
